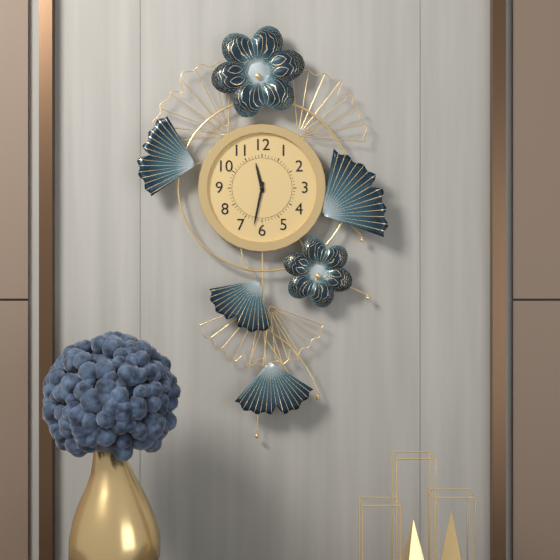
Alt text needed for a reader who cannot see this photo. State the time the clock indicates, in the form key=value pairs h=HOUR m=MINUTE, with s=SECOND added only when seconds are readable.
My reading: h=11 m=32
